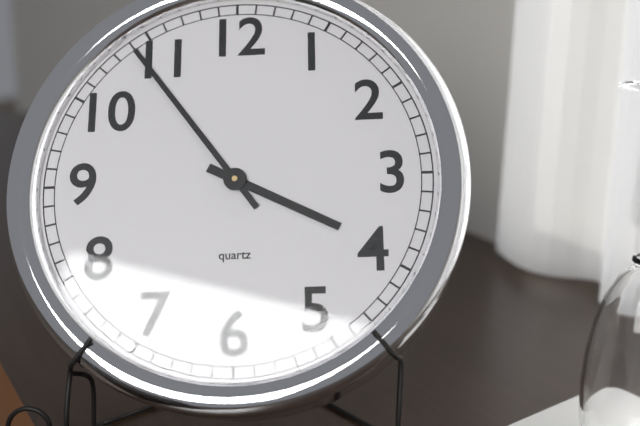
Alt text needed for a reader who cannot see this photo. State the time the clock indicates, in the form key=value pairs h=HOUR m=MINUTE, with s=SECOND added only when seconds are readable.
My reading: h=3 m=54
